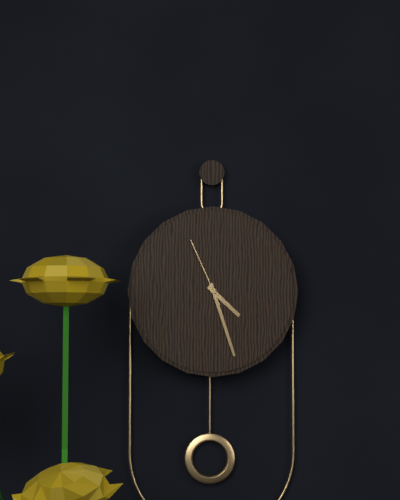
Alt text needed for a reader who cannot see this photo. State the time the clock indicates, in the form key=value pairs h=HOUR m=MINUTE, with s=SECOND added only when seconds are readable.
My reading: h=4 m=27 s=56
